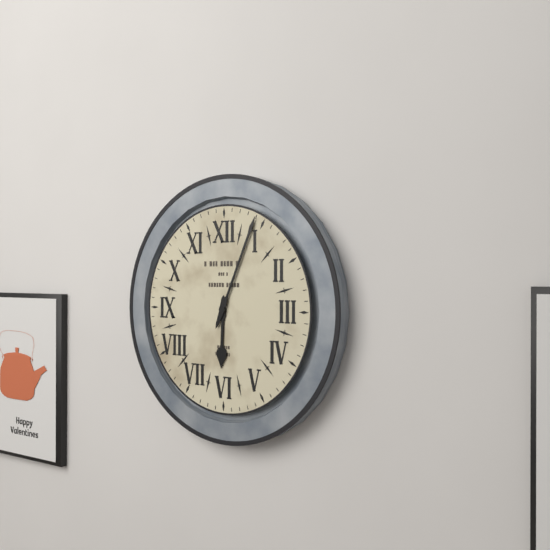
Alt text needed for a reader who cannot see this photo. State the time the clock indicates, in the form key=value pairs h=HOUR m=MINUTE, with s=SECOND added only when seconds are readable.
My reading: h=6 m=4
